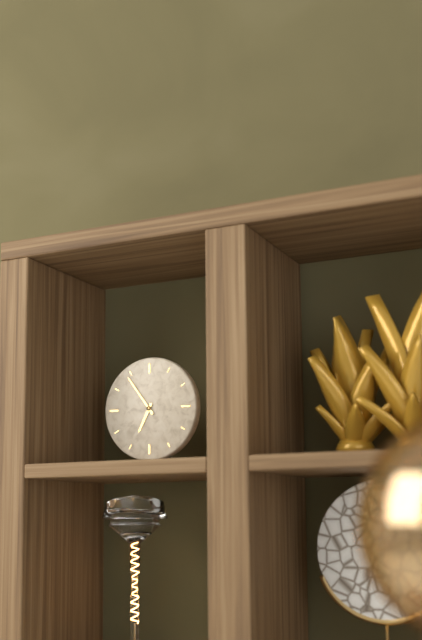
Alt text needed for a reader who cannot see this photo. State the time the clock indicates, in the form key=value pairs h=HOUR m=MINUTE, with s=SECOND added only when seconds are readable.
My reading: h=6 m=54
